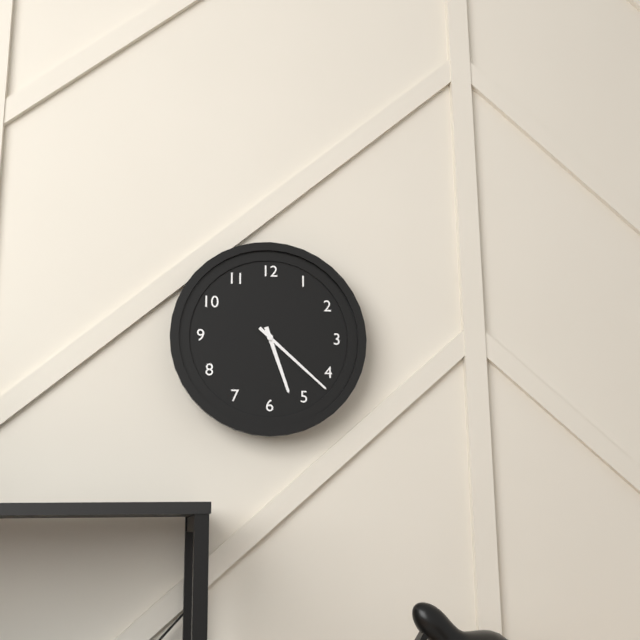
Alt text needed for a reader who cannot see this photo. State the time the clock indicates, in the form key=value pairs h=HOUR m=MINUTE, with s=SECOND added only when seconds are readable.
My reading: h=5 m=22
